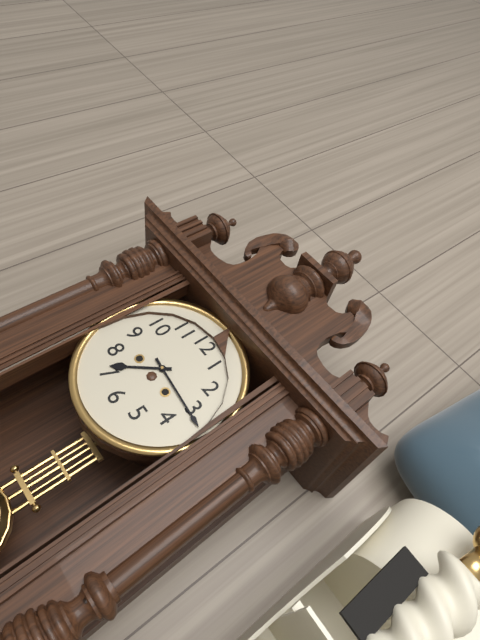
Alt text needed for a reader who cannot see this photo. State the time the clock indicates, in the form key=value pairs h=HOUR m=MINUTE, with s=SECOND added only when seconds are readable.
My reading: h=7 m=16
